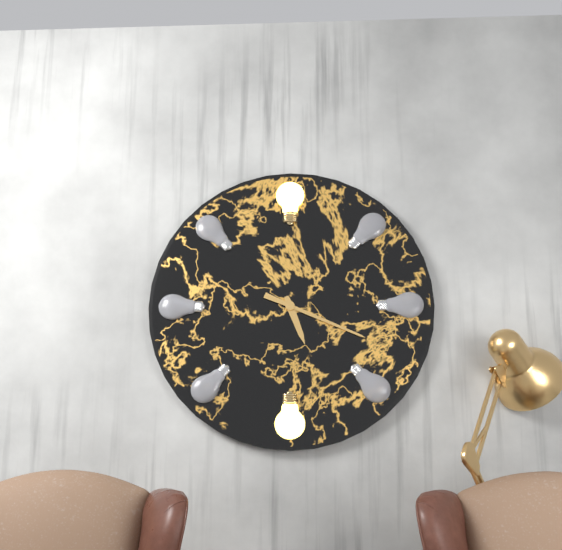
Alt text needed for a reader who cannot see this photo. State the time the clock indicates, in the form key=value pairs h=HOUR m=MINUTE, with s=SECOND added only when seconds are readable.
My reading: h=5 m=19
